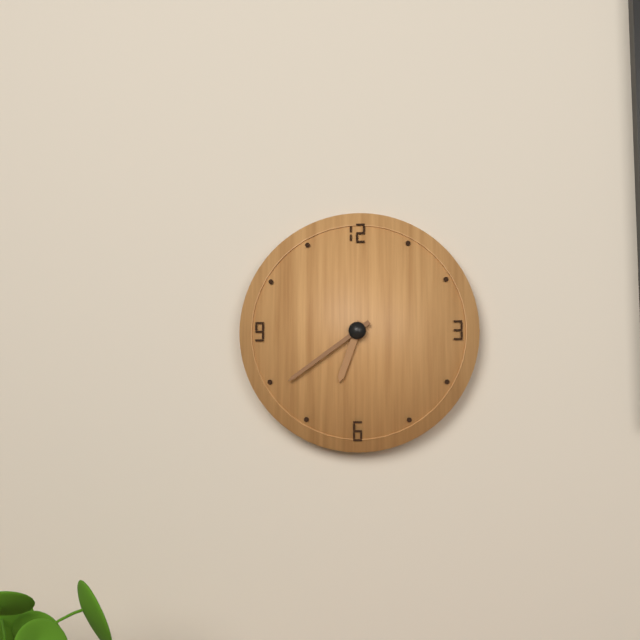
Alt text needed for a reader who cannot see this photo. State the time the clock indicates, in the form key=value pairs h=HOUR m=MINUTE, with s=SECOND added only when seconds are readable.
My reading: h=6 m=39
